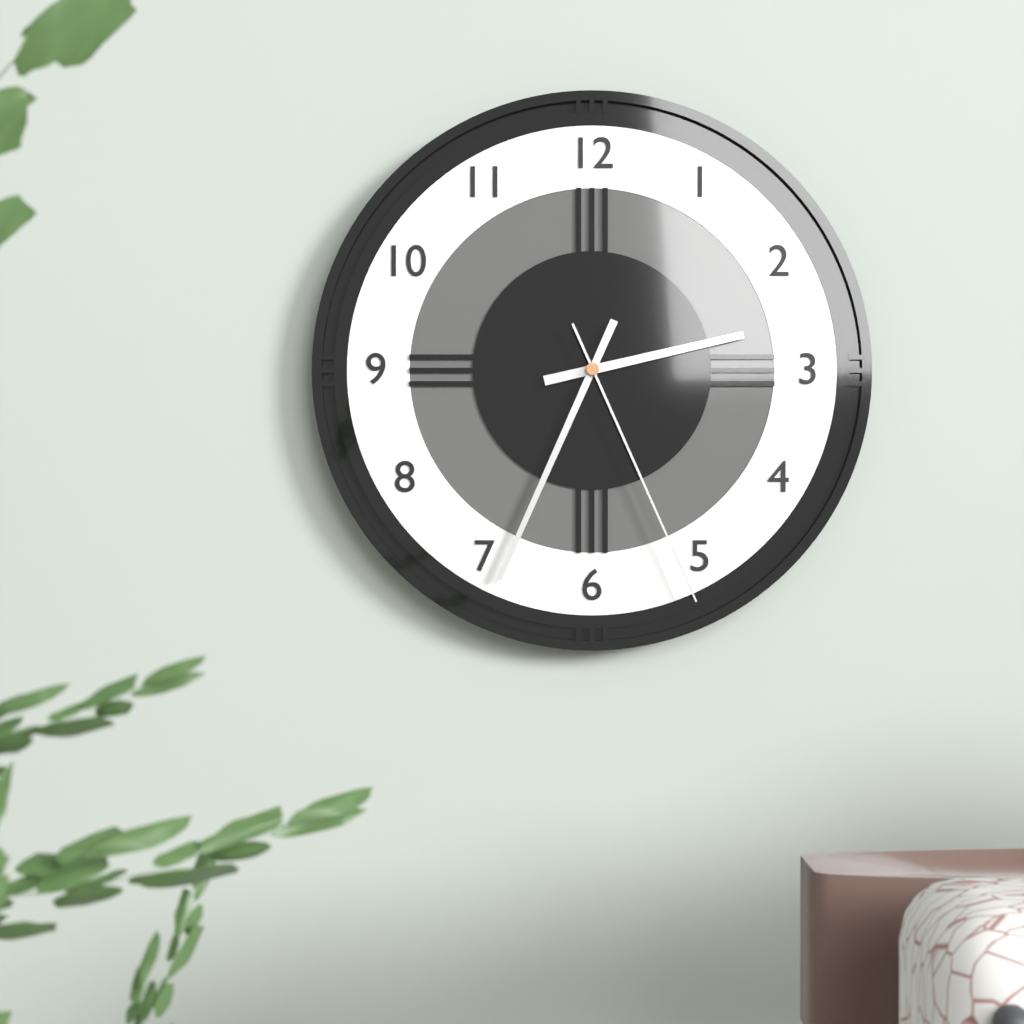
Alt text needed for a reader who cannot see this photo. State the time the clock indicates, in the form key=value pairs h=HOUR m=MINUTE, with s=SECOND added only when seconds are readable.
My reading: h=2 m=34 s=26
